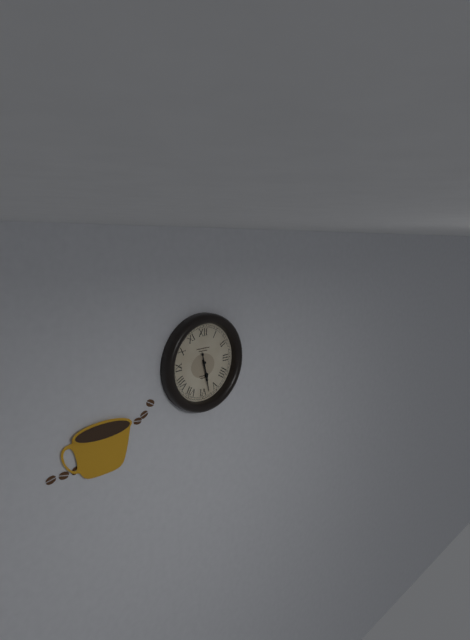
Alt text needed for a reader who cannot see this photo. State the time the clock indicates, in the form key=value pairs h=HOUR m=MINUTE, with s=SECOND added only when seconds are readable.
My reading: h=5 m=28
